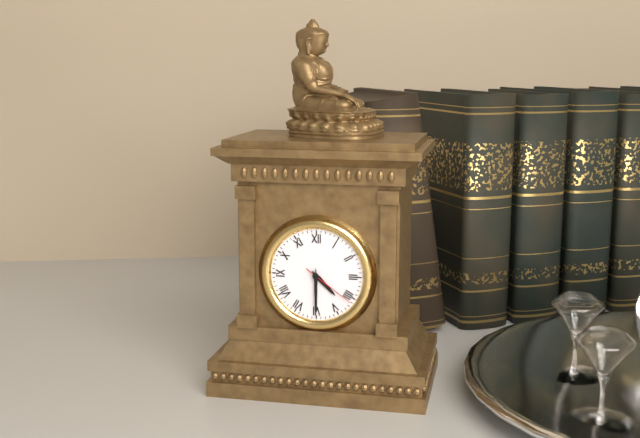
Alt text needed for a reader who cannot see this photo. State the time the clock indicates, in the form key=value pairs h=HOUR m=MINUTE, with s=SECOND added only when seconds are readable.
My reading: h=4 m=30 s=21
